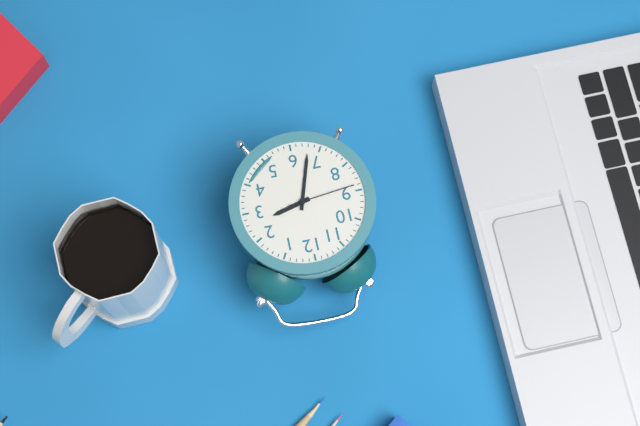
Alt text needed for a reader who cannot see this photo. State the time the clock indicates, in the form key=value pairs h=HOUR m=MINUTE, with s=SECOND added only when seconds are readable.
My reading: h=2 m=33 s=44
